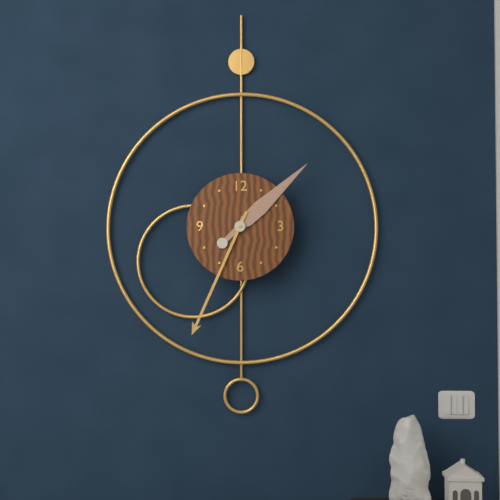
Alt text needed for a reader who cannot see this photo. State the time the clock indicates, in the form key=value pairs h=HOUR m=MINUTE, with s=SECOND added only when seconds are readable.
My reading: h=1 m=34
